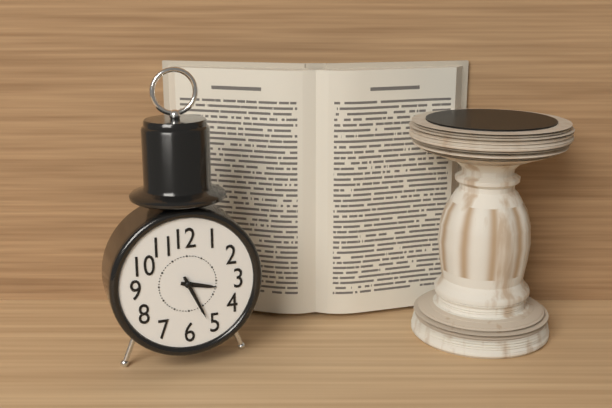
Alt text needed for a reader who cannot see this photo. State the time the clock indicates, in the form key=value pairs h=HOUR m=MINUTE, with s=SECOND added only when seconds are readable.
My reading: h=3 m=26
